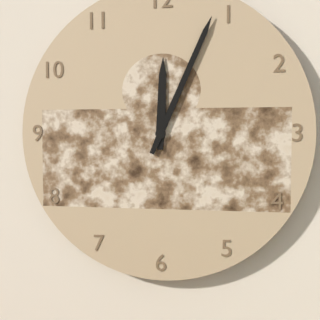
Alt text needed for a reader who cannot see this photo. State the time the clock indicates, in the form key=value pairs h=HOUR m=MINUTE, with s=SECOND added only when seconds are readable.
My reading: h=12 m=4
